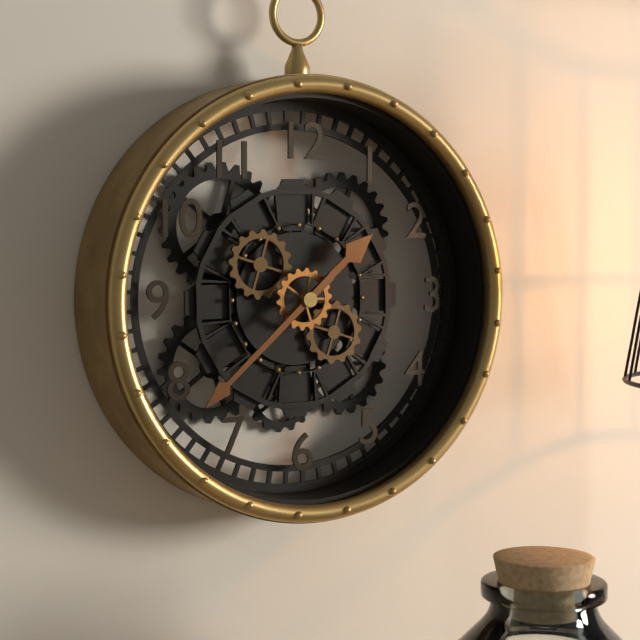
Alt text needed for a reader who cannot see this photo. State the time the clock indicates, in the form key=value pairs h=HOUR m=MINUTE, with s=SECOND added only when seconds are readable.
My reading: h=1 m=38
